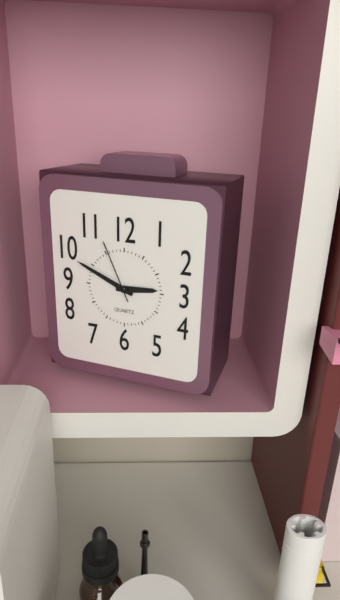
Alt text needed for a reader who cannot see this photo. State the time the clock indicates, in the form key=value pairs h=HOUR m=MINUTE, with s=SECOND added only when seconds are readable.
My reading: h=2 m=49 s=56
